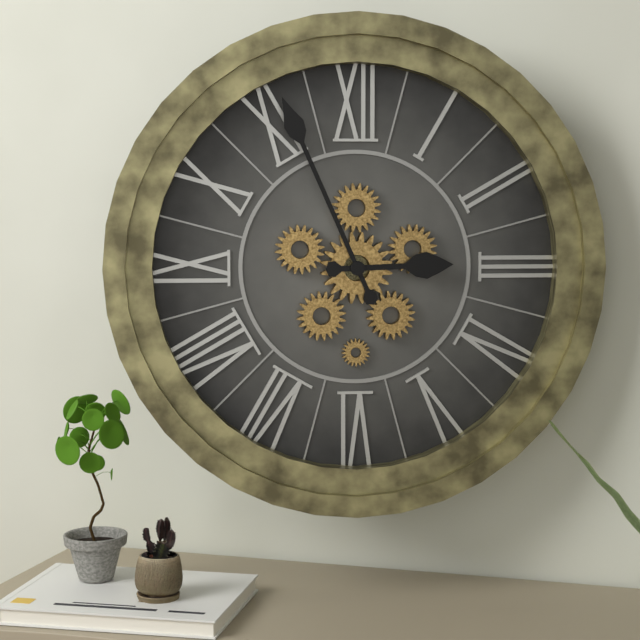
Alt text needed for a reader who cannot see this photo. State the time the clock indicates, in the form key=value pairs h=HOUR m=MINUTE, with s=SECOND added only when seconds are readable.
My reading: h=2 m=56
